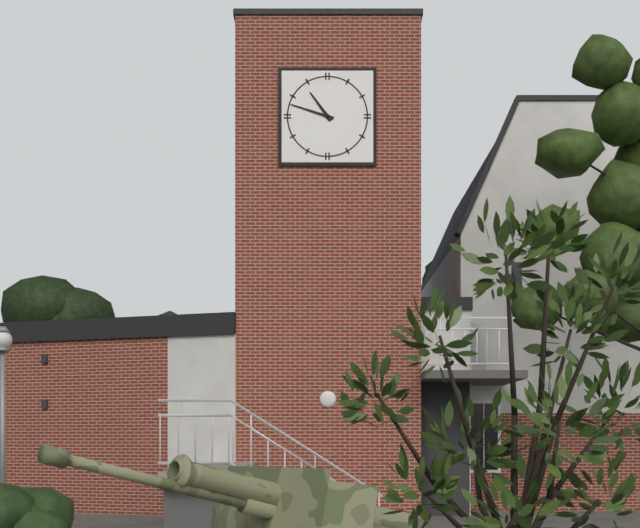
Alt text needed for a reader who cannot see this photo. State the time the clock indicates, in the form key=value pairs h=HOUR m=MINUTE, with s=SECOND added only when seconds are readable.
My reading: h=10 m=48
